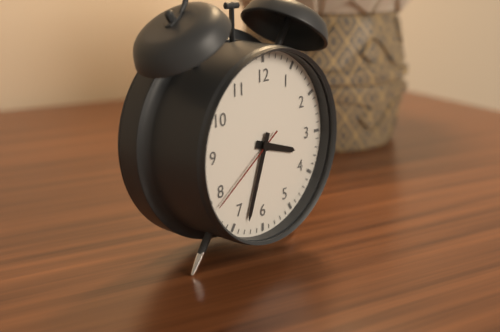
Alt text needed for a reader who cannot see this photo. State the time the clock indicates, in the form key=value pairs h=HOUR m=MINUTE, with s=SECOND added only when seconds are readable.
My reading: h=3 m=33 s=39
